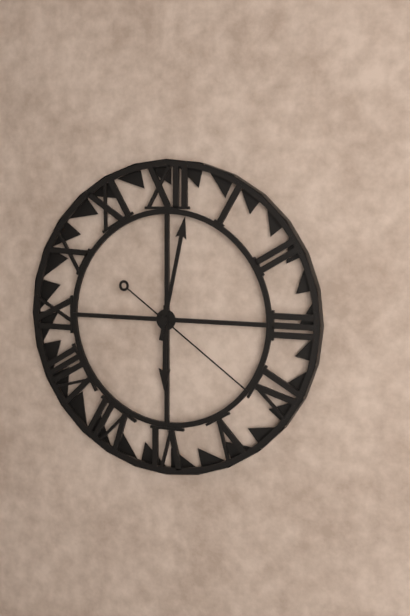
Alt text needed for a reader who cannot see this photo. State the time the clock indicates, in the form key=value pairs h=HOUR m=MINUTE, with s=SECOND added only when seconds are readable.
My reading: h=6 m=2 s=21
